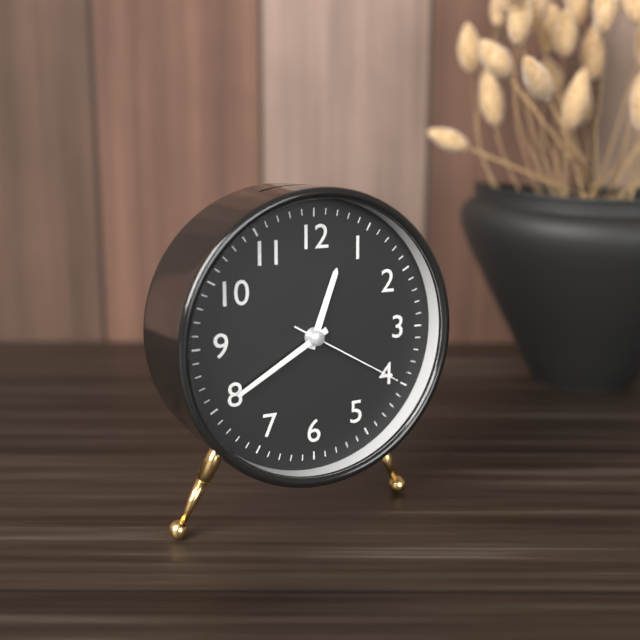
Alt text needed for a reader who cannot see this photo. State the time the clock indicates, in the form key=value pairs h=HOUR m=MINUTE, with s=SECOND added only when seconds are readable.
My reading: h=12 m=40 s=20
